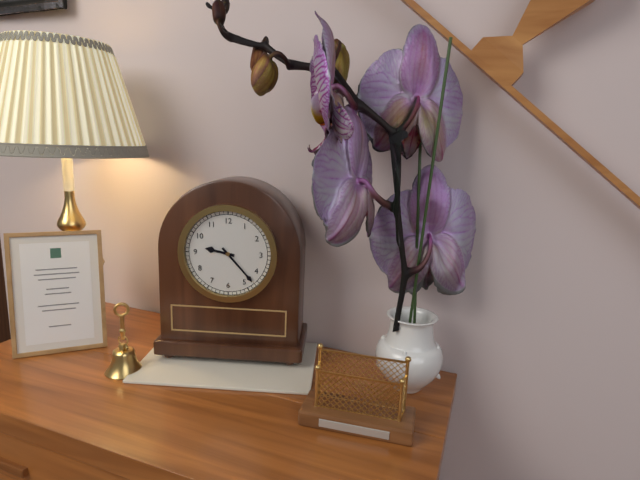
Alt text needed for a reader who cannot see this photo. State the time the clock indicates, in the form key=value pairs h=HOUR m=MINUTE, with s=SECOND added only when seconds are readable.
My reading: h=9 m=23
